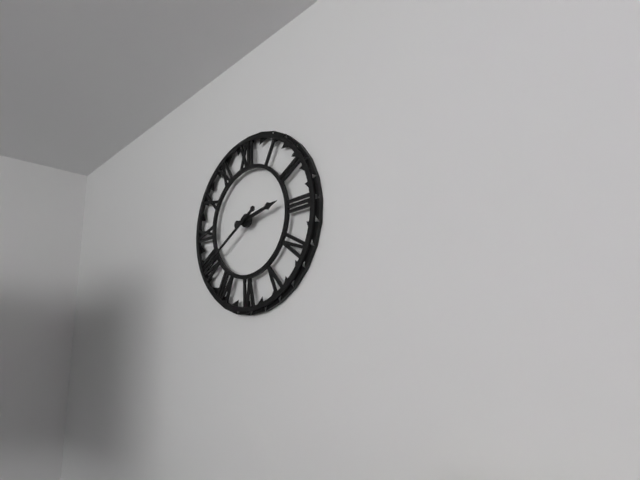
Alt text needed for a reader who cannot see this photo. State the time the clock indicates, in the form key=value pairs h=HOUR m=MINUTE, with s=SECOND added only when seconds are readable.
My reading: h=2 m=40
